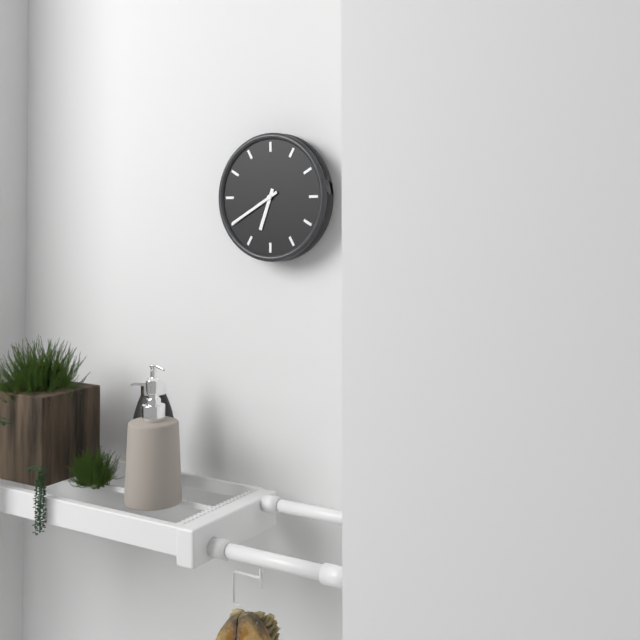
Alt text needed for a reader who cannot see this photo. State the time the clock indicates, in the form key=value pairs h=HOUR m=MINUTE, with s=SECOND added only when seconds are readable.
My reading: h=6 m=40
